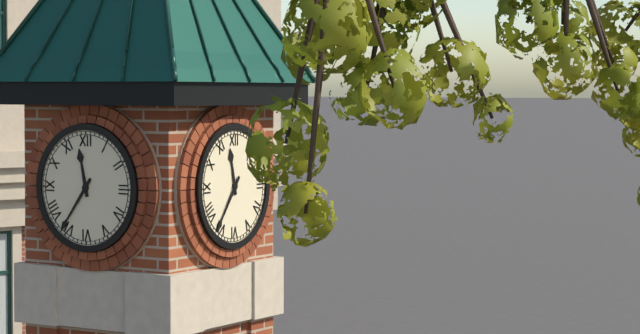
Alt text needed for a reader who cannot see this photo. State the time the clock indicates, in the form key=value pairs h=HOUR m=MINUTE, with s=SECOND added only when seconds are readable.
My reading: h=11 m=36
